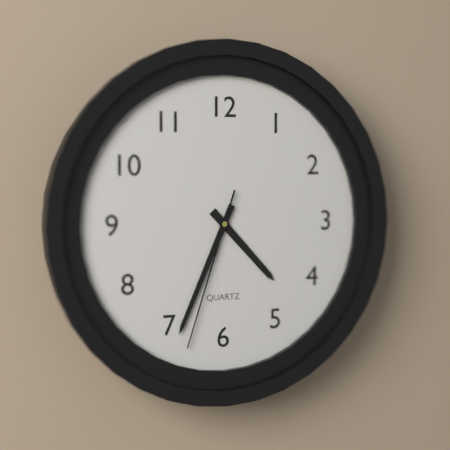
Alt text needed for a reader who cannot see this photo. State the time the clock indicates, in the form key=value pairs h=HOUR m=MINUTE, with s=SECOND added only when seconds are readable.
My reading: h=4 m=34 s=33
